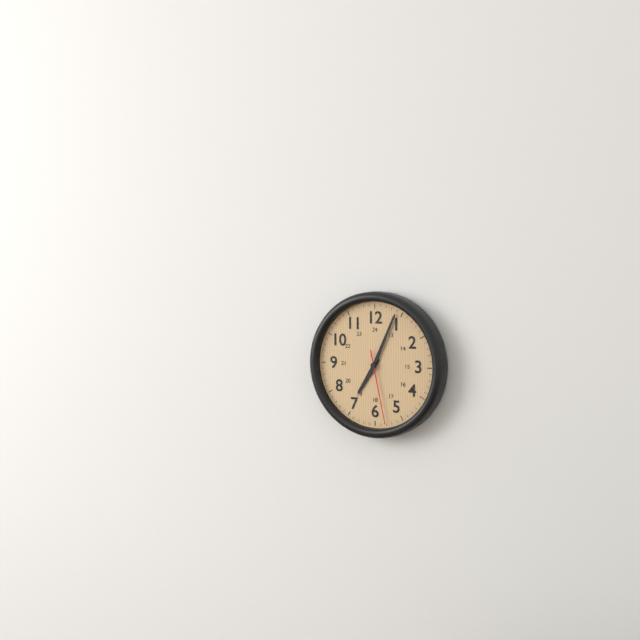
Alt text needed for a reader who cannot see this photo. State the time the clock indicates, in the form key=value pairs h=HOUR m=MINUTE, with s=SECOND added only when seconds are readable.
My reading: h=7 m=4 s=28
